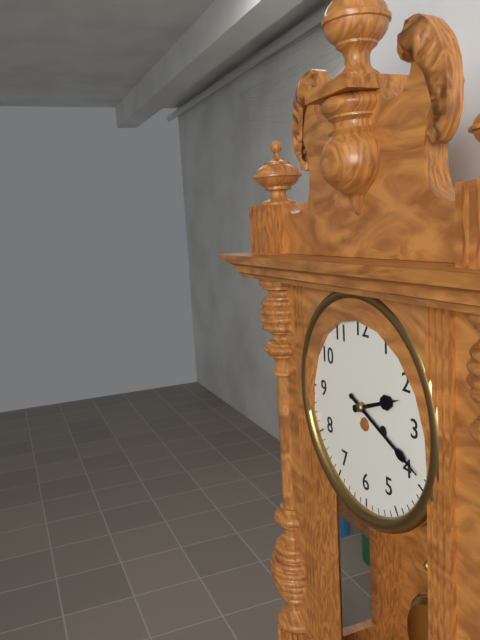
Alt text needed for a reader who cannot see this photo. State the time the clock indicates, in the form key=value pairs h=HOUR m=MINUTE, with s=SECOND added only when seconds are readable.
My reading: h=2 m=19
